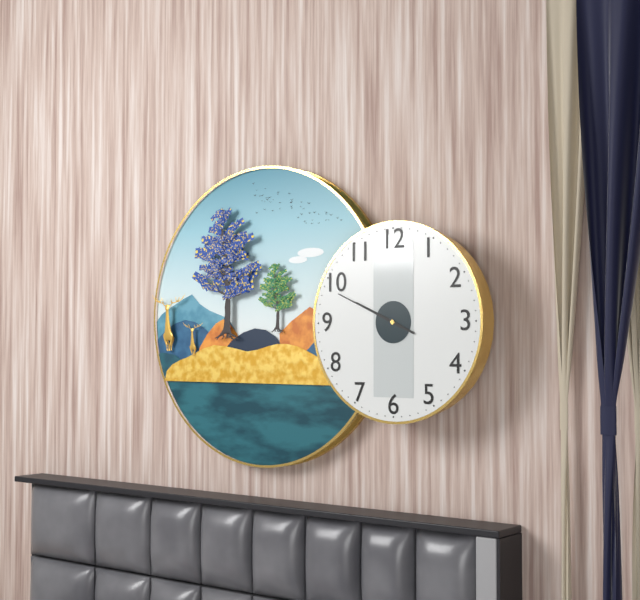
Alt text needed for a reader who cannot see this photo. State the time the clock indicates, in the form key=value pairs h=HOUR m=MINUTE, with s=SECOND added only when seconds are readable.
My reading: h=9 m=49
